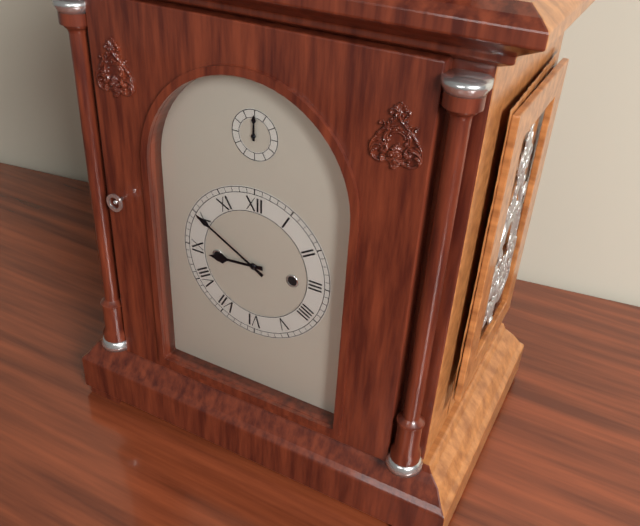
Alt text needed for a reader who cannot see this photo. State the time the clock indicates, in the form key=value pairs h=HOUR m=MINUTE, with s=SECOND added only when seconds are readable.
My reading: h=8 m=50
